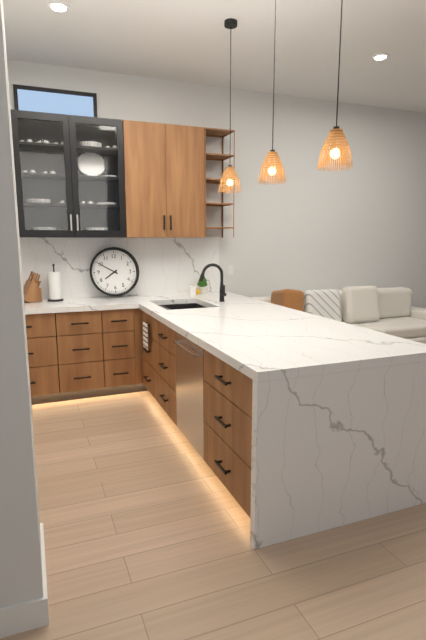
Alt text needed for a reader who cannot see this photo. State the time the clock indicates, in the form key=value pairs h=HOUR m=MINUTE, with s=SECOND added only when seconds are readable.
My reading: h=7 m=50
